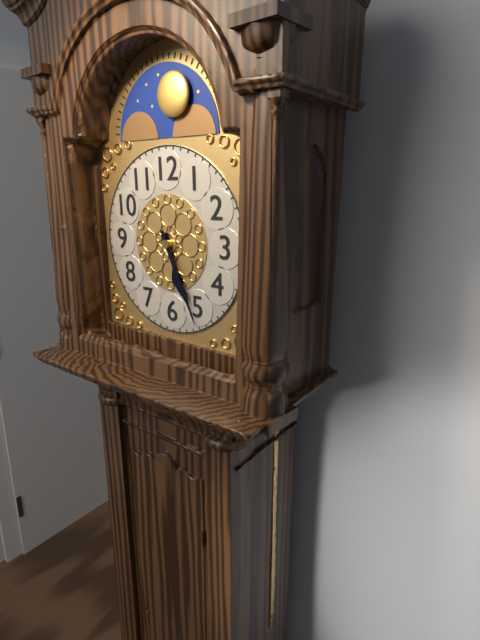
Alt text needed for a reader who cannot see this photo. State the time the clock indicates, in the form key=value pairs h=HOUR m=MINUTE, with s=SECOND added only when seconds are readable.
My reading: h=5 m=26
